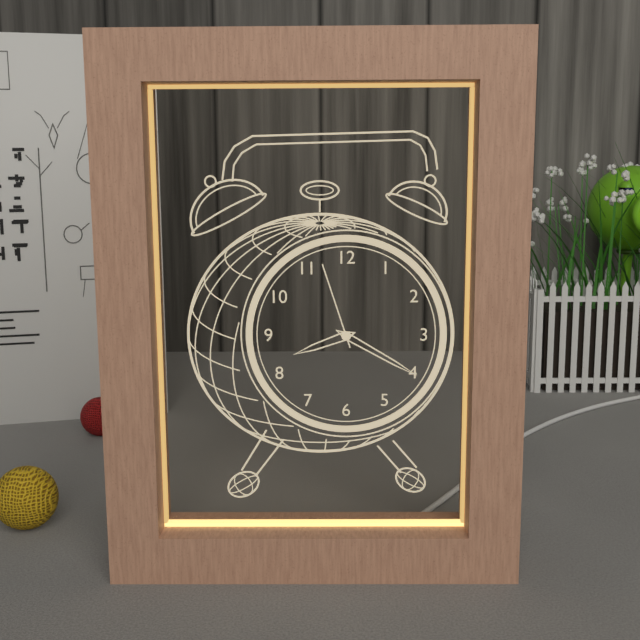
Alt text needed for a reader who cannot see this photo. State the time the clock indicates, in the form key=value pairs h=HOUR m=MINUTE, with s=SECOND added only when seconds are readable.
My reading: h=8 m=20 s=57
